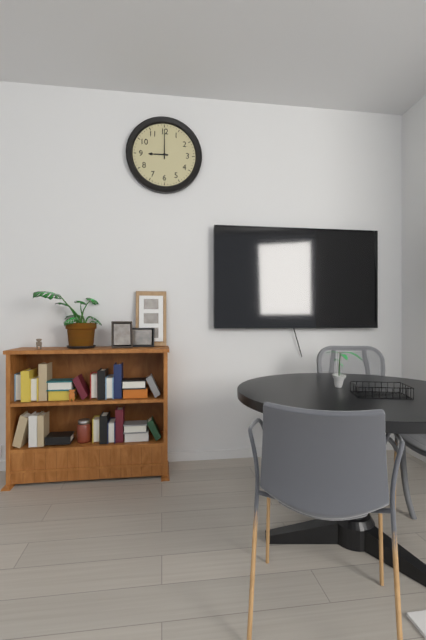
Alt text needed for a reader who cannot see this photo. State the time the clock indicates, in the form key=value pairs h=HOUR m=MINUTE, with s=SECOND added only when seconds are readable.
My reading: h=9 m=0
